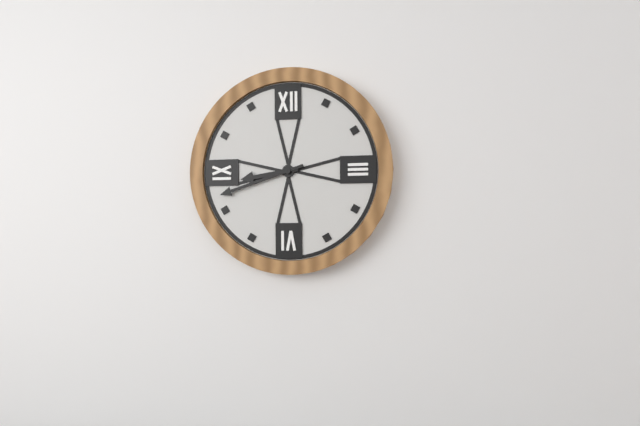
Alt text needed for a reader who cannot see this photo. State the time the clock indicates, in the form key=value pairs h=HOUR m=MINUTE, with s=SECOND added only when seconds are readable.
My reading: h=8 m=42
